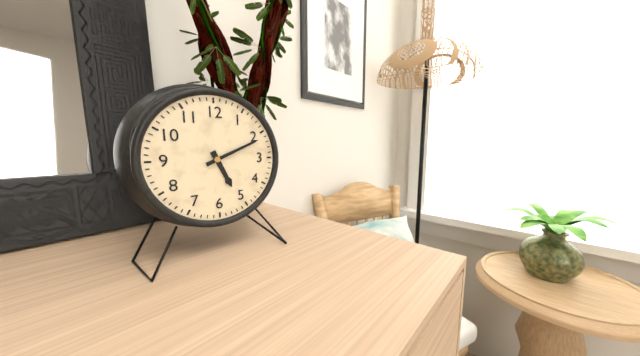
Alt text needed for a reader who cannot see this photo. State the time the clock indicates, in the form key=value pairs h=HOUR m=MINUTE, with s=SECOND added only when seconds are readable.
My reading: h=5 m=11
